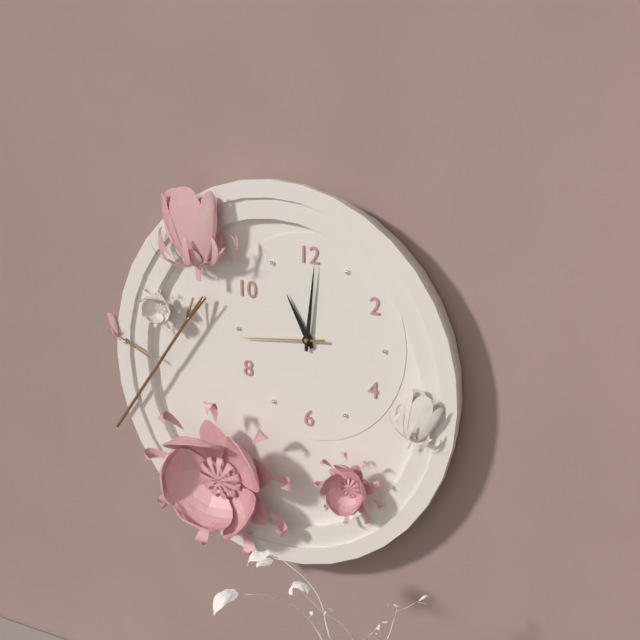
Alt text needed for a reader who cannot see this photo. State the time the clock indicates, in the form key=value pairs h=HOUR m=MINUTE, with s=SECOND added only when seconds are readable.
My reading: h=11 m=1 s=44
